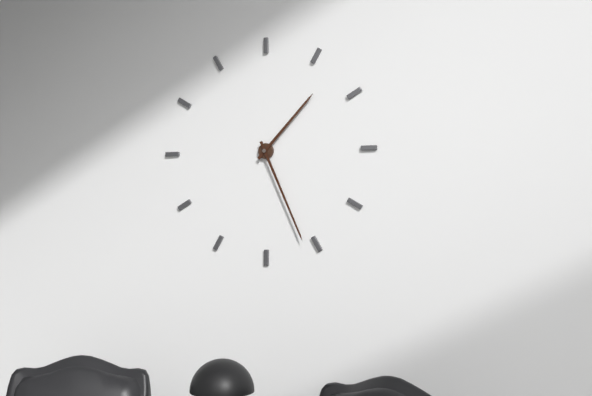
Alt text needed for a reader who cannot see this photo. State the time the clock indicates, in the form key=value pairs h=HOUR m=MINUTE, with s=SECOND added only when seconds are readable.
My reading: h=1 m=26
